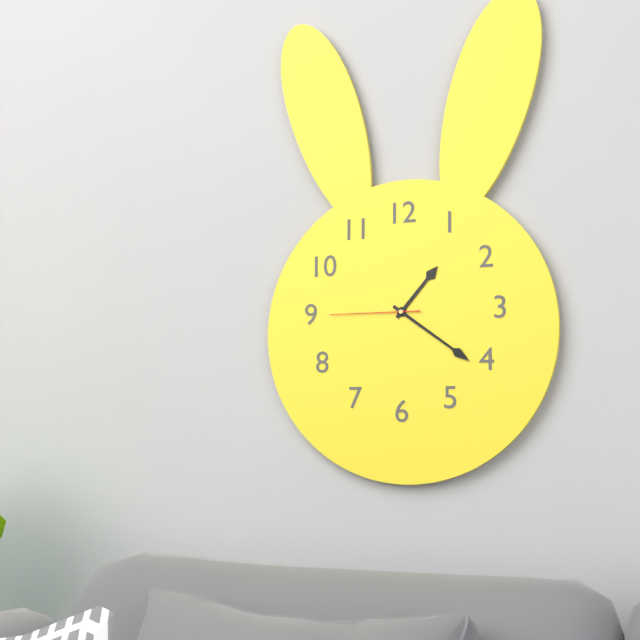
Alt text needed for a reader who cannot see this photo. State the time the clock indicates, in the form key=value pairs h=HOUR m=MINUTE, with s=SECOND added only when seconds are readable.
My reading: h=1 m=21 s=45
